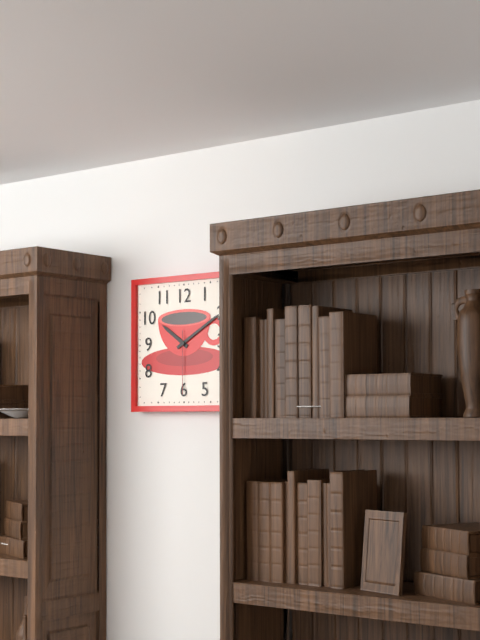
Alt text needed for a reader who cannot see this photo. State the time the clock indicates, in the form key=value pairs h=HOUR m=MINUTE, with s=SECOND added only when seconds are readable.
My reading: h=10 m=10 s=30
